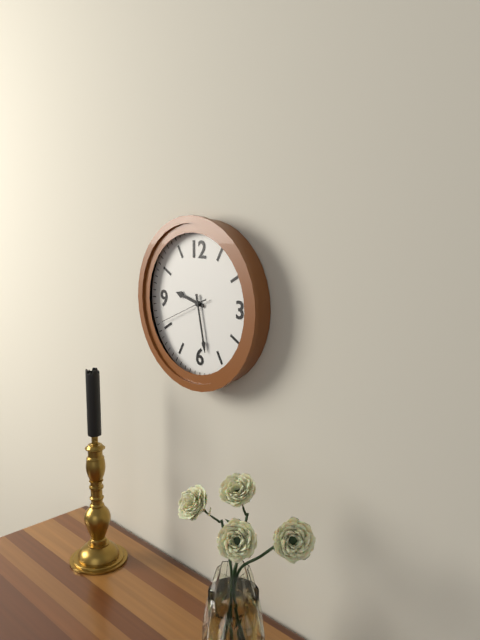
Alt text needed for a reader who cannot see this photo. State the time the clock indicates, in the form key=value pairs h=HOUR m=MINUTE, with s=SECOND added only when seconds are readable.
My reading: h=9 m=28 s=41
